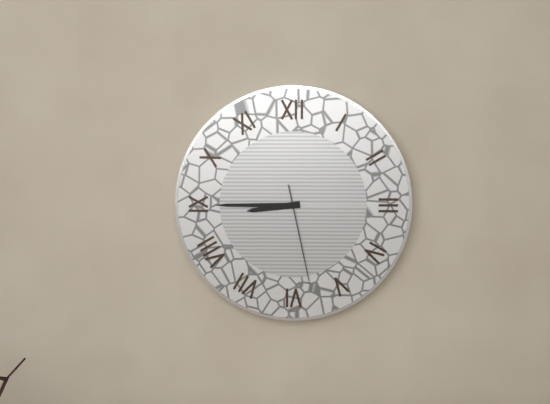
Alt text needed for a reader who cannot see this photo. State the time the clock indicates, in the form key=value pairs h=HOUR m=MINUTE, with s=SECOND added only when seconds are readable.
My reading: h=8 m=45 s=28
